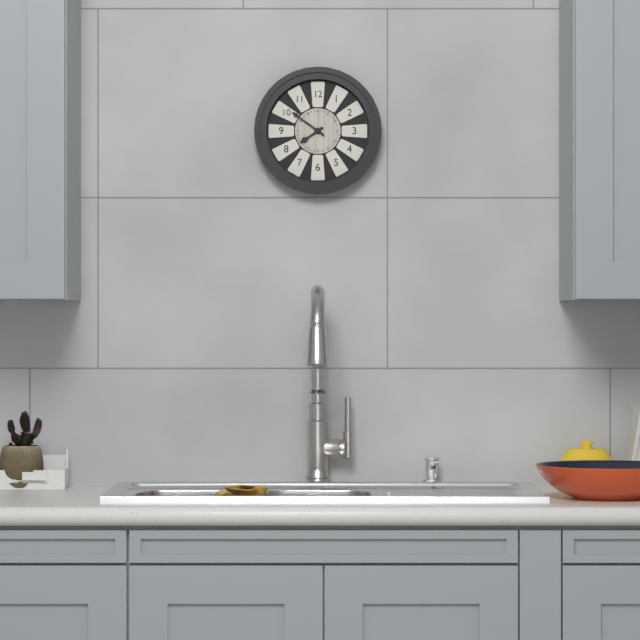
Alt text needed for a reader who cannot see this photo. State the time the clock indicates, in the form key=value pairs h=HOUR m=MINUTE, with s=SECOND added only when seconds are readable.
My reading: h=7 m=51
